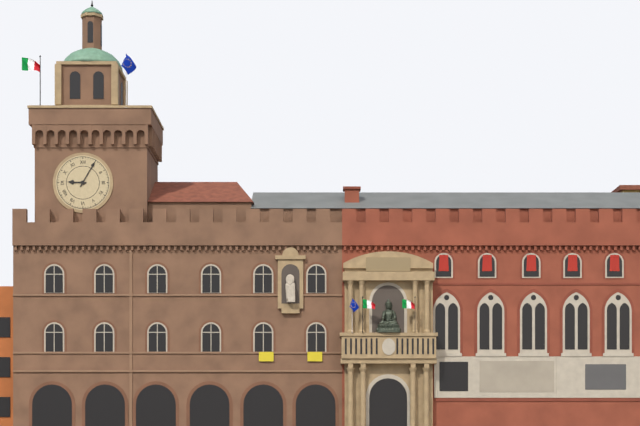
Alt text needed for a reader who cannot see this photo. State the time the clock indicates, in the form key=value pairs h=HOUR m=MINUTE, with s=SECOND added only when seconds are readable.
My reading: h=9 m=5
